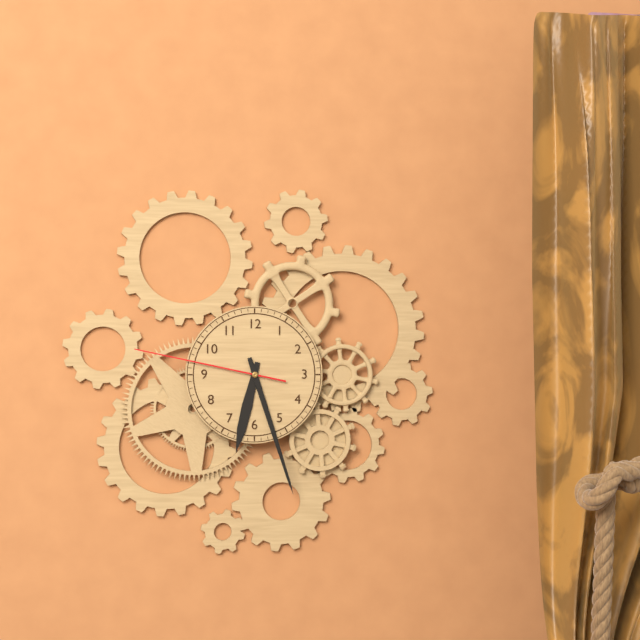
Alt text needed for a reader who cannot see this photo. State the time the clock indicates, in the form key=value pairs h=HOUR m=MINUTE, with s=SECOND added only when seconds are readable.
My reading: h=6 m=27 s=47
